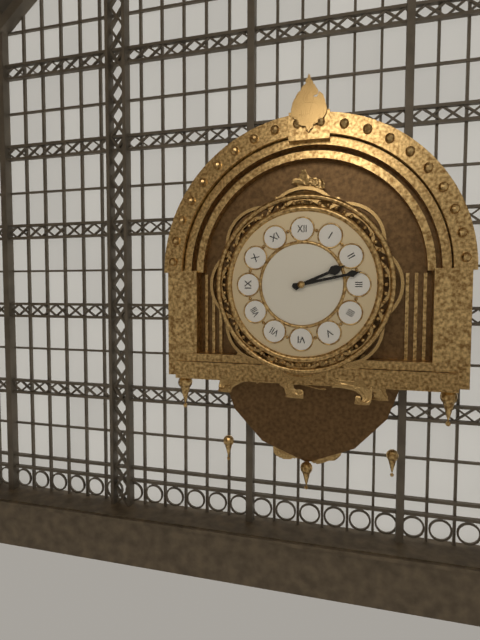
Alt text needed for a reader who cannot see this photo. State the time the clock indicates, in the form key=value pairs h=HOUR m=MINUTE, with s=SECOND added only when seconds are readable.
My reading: h=2 m=13
